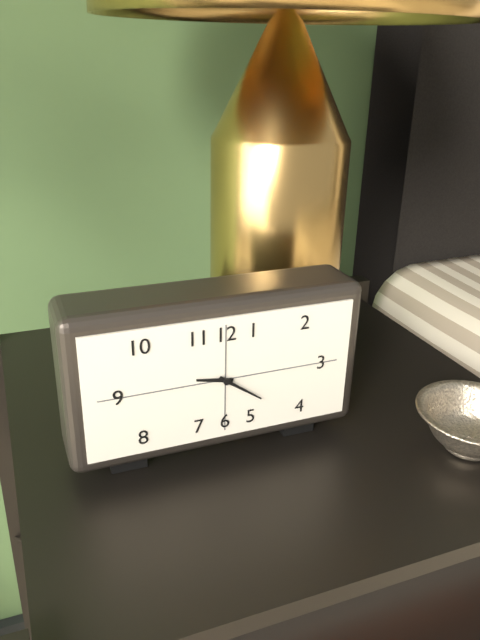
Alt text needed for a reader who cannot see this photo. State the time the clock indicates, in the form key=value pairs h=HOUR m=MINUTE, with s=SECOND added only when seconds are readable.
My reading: h=9 m=21
